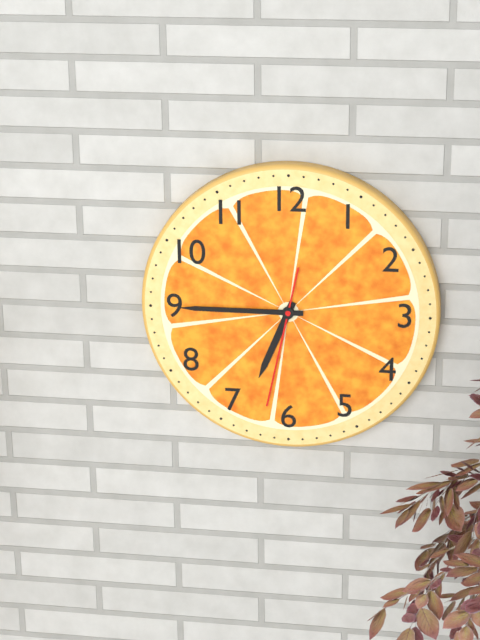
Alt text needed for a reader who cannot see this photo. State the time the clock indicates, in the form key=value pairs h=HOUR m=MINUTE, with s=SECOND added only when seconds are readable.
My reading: h=6 m=45 s=32
